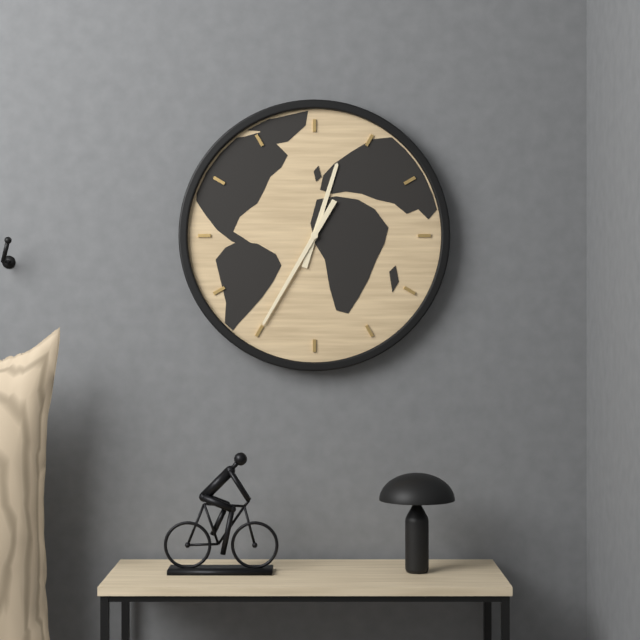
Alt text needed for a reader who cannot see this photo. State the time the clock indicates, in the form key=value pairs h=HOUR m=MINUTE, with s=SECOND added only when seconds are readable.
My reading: h=12 m=35
